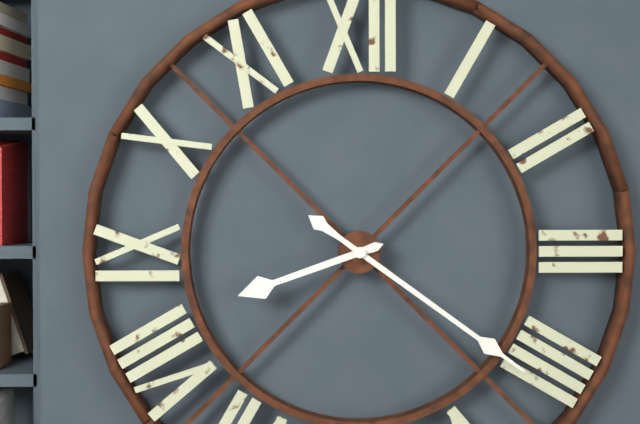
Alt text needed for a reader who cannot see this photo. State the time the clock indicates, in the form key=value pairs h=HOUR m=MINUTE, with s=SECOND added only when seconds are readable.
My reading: h=8 m=21
